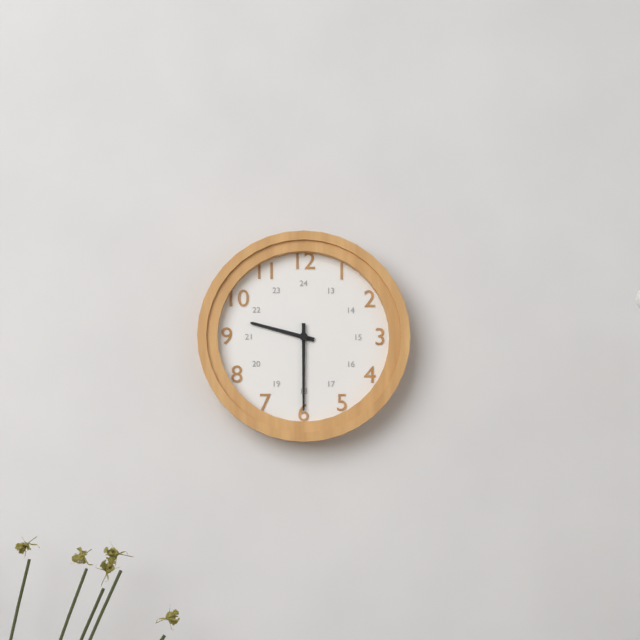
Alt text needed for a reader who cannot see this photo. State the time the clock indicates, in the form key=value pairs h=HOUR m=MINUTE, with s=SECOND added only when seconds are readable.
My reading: h=9 m=30
